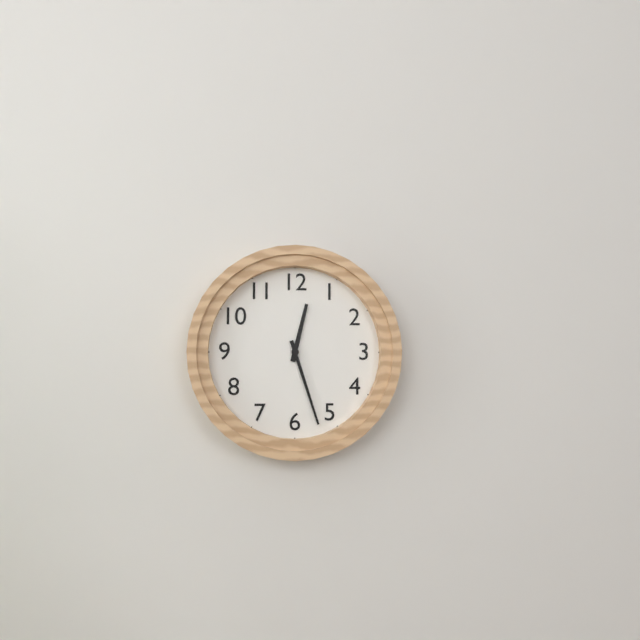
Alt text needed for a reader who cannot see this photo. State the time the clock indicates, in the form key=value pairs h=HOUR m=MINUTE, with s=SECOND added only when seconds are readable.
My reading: h=12 m=27
